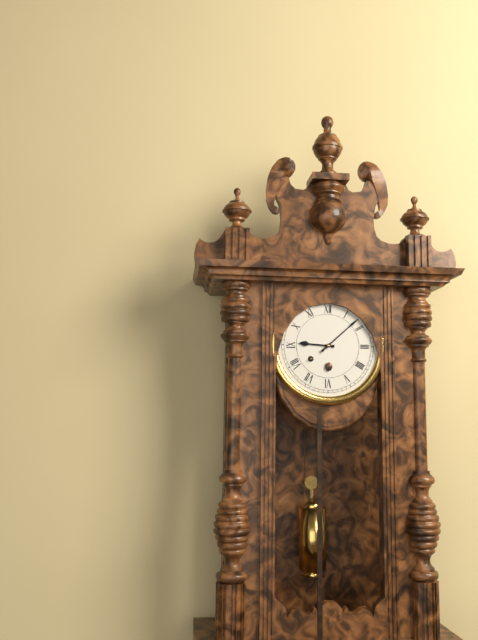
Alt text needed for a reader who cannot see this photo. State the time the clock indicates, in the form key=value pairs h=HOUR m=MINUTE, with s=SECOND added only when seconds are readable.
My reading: h=9 m=8
